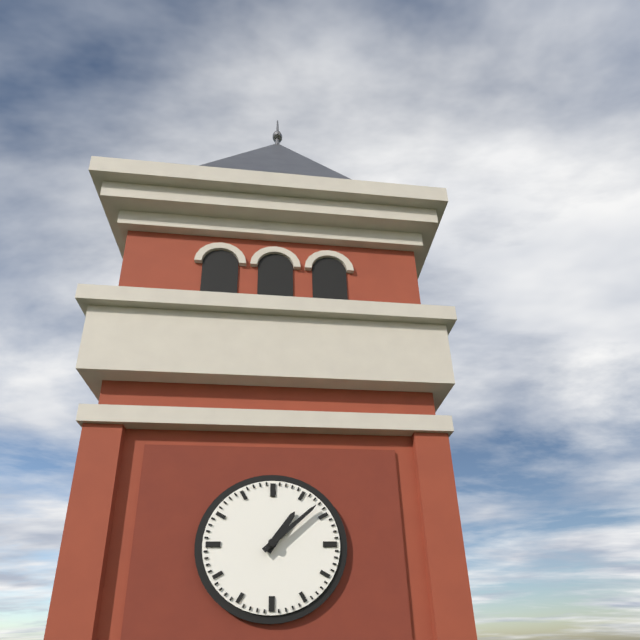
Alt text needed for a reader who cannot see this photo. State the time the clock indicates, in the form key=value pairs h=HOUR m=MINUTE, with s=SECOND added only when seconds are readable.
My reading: h=1 m=8
